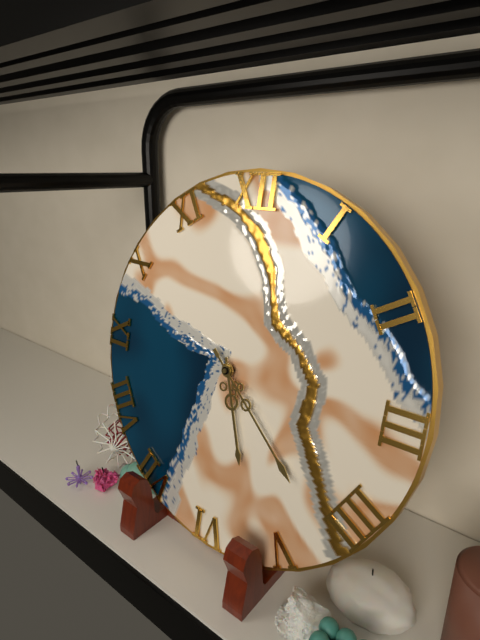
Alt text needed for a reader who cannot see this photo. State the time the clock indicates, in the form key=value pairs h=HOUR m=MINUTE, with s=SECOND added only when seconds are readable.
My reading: h=5 m=22
